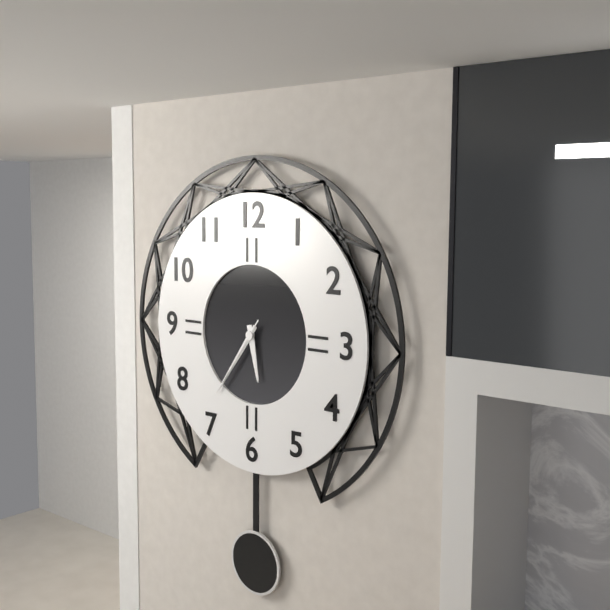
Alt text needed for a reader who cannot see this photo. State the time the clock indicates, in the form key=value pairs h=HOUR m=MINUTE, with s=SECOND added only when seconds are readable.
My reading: h=5 m=36 s=36
